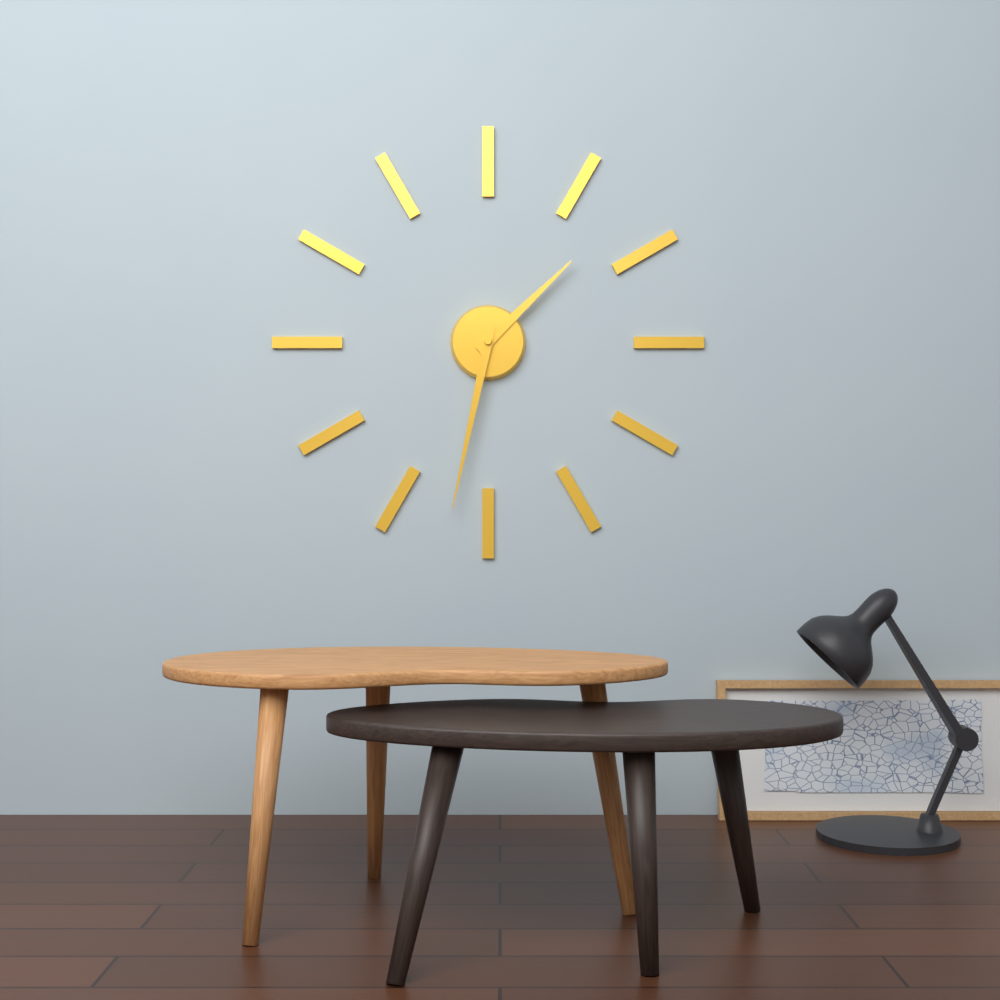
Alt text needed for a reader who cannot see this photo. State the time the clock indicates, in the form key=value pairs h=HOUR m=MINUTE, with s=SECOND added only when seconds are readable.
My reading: h=1 m=32
